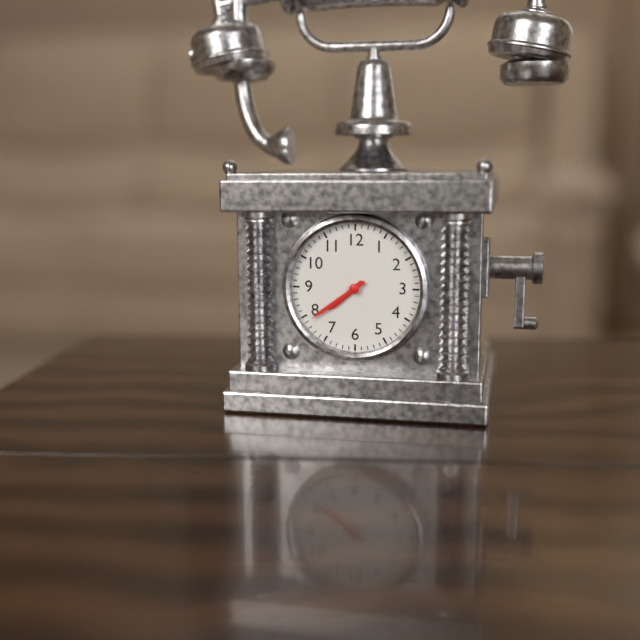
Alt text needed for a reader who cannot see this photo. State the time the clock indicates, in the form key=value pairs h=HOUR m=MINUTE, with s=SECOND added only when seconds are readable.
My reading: h=7 m=39
